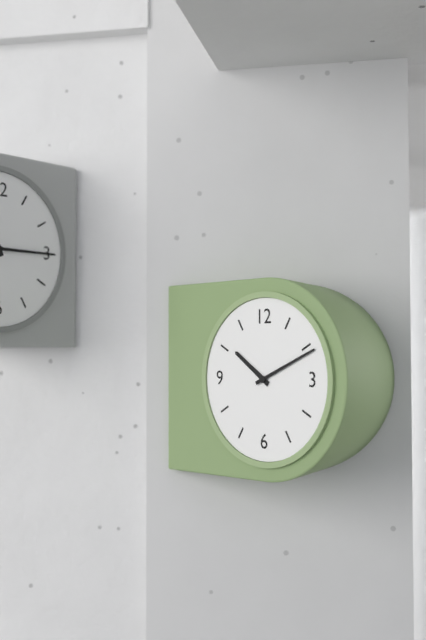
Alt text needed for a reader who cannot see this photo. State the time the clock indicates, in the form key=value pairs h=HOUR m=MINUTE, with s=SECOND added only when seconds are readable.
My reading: h=10 m=11
